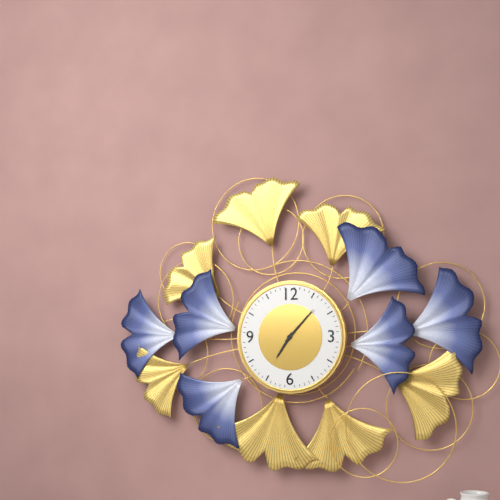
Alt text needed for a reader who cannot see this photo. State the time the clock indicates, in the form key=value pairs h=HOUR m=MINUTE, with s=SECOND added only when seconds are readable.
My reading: h=7 m=7
